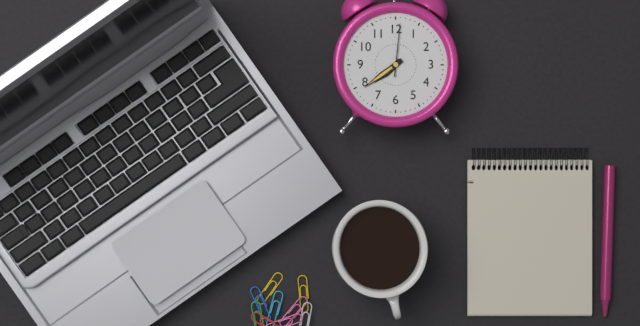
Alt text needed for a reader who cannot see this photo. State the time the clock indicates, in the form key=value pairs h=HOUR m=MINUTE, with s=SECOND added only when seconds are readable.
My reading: h=7 m=39 s=1
